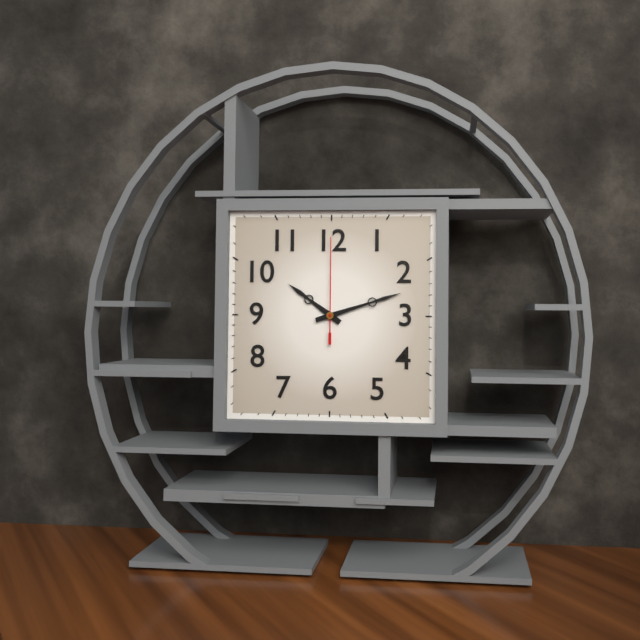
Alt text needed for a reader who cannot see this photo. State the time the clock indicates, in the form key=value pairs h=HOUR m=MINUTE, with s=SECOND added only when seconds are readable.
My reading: h=10 m=12 s=0
